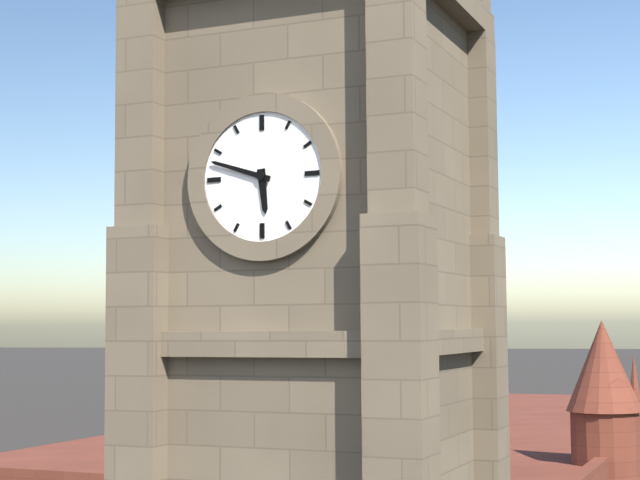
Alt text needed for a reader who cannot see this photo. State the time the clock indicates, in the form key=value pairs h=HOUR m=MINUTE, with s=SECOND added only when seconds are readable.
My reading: h=5 m=48
